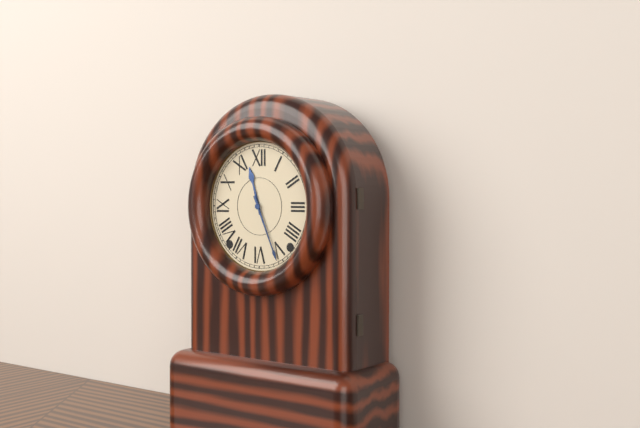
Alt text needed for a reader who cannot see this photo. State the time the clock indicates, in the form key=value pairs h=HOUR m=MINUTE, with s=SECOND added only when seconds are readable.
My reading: h=11 m=26
